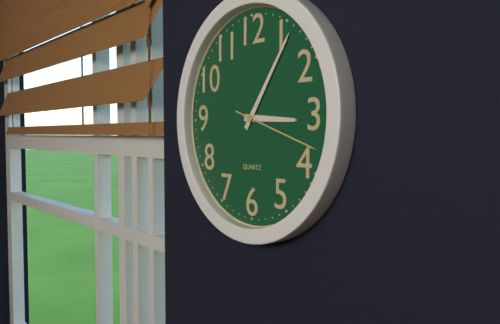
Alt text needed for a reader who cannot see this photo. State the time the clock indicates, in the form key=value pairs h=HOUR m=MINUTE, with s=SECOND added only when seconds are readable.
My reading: h=3 m=6 s=18
